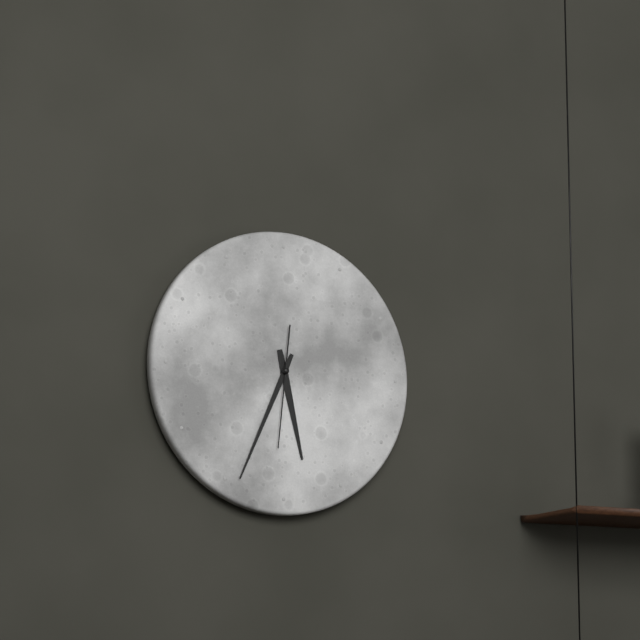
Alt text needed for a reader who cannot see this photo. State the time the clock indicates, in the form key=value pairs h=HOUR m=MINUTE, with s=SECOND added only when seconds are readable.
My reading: h=5 m=34 s=31
